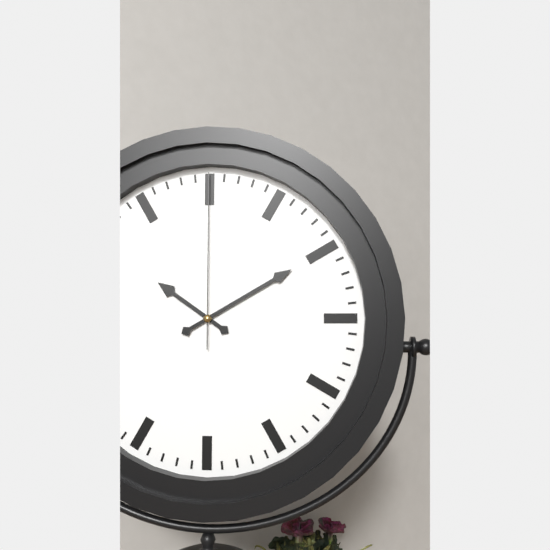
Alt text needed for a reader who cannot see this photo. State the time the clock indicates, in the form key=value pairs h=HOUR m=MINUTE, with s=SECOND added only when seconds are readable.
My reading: h=10 m=10 s=0
